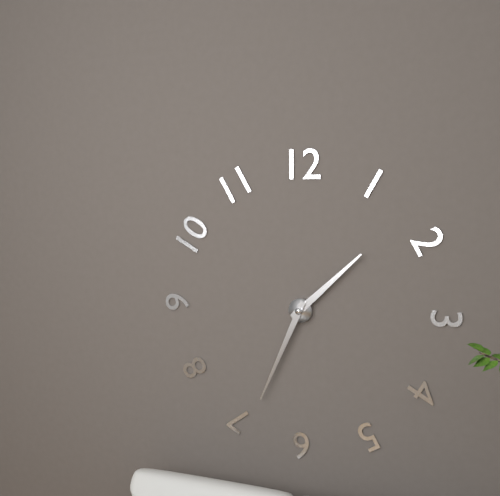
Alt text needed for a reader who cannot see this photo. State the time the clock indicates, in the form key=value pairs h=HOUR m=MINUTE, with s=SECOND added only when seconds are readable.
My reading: h=1 m=34
